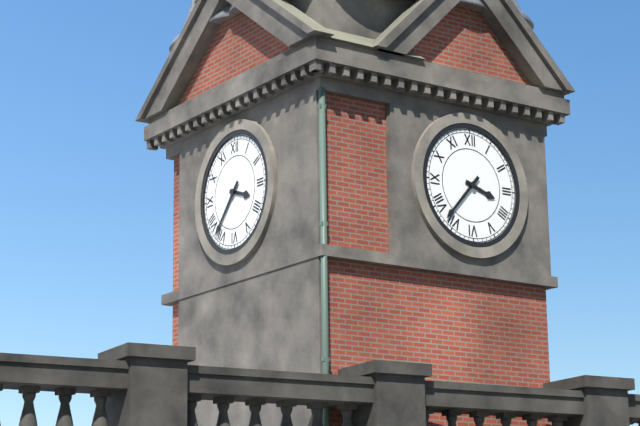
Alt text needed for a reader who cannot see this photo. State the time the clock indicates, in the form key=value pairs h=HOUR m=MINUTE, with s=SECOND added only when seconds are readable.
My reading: h=3 m=37
